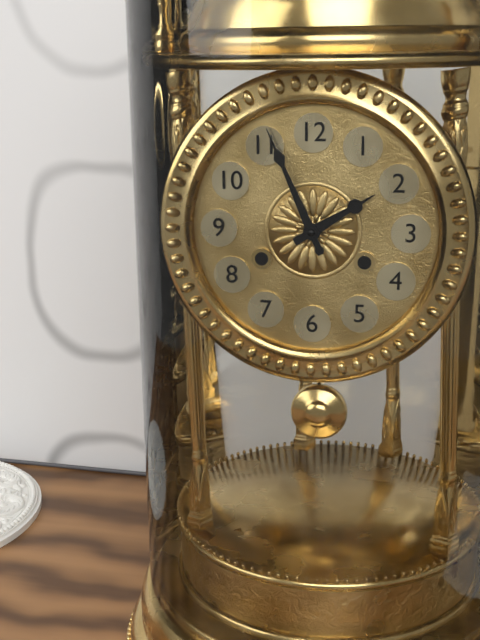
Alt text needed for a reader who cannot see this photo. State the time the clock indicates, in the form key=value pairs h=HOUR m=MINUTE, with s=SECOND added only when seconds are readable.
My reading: h=1 m=56
